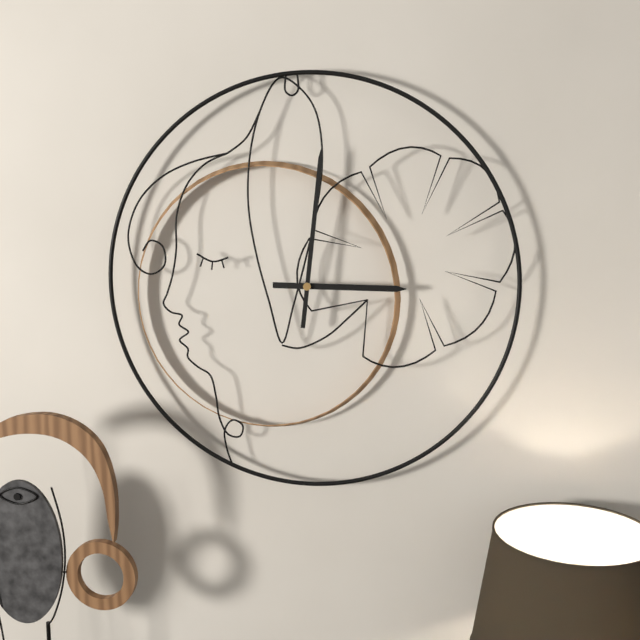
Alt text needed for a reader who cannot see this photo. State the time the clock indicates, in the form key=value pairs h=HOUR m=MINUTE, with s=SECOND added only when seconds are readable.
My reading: h=3 m=1
